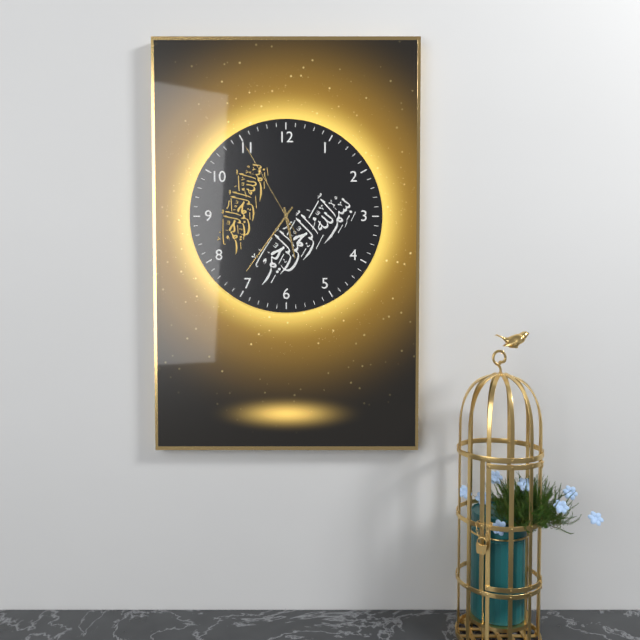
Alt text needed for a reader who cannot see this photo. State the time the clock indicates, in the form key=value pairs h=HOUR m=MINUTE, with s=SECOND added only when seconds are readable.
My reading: h=5 m=36 s=55
